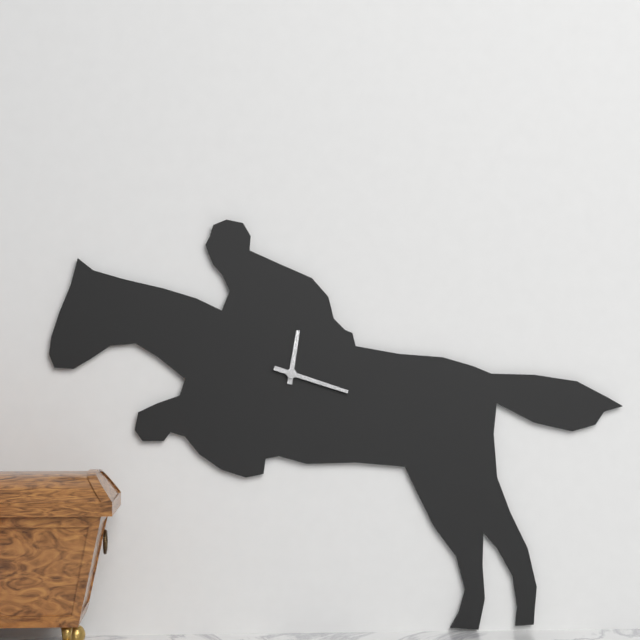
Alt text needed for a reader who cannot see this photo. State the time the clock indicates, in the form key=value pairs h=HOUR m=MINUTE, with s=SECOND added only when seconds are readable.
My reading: h=12 m=18
